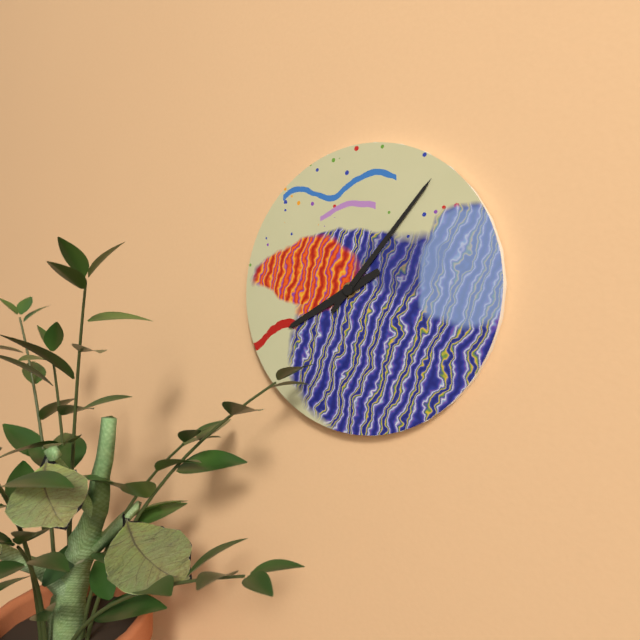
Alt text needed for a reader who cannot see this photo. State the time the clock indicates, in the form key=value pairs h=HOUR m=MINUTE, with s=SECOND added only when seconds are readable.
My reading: h=8 m=7
